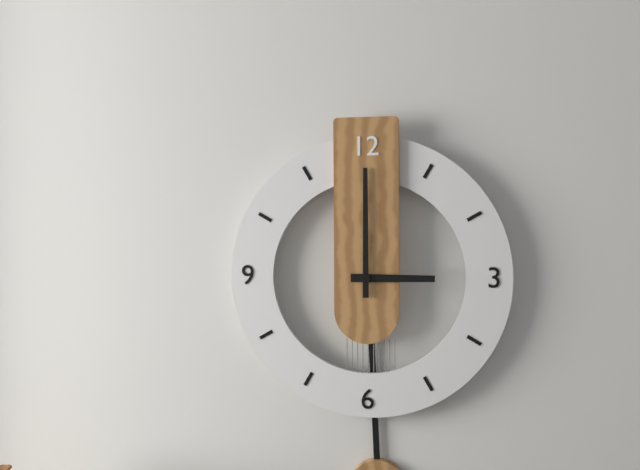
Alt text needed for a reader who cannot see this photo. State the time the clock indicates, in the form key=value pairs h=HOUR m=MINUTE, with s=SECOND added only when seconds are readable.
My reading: h=3 m=0
